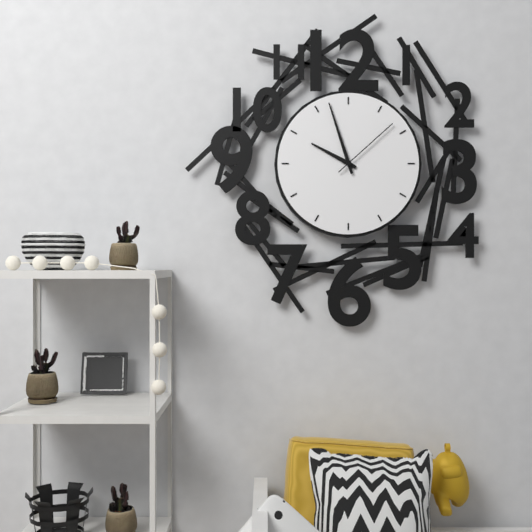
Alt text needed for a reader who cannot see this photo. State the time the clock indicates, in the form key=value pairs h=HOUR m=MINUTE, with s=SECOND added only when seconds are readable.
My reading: h=9 m=57 s=8
